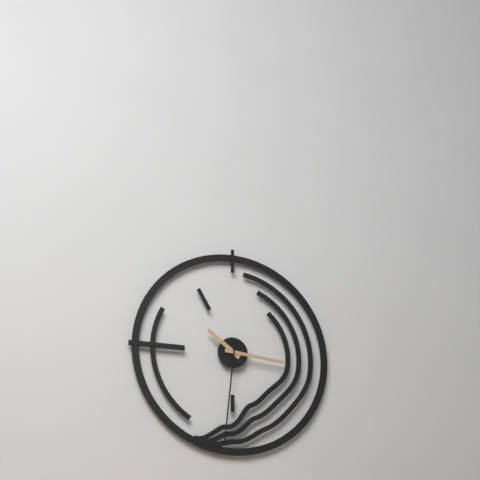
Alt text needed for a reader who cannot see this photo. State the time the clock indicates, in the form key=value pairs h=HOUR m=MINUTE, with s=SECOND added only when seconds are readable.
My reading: h=10 m=16 s=31
